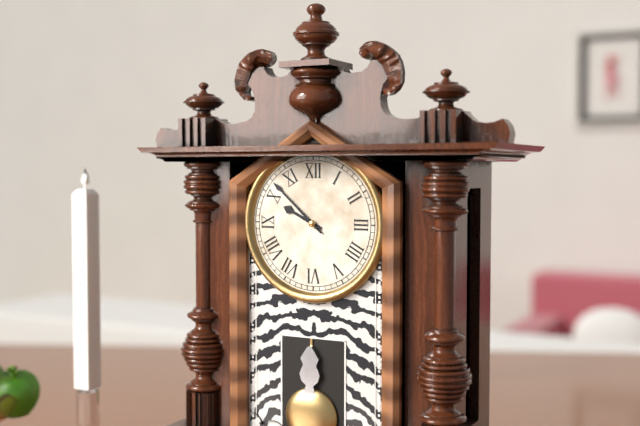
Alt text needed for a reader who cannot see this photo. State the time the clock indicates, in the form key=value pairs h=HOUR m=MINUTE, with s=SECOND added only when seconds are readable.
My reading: h=9 m=52
